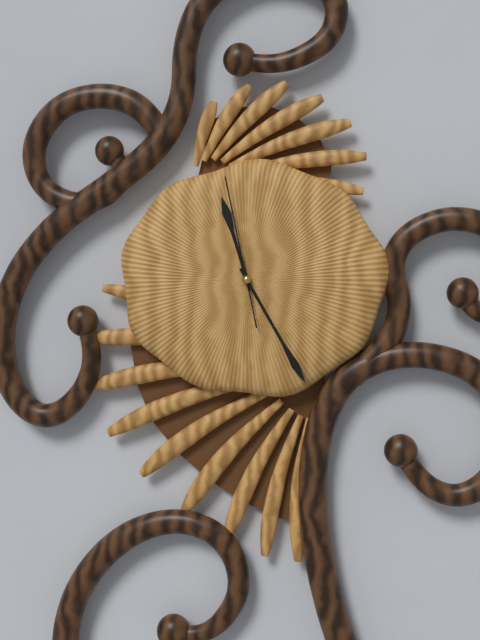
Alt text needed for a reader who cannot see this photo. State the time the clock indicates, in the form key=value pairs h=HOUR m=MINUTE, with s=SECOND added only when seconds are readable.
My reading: h=11 m=25 s=58
